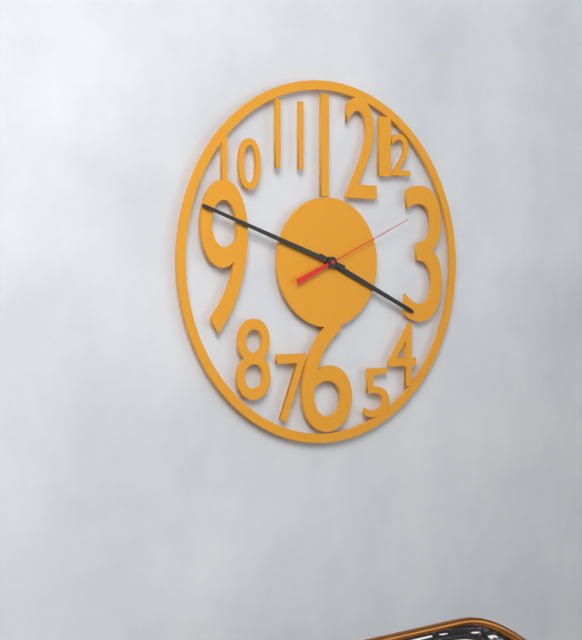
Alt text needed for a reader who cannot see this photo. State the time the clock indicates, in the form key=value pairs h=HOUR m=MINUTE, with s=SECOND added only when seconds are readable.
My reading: h=3 m=48 s=11
